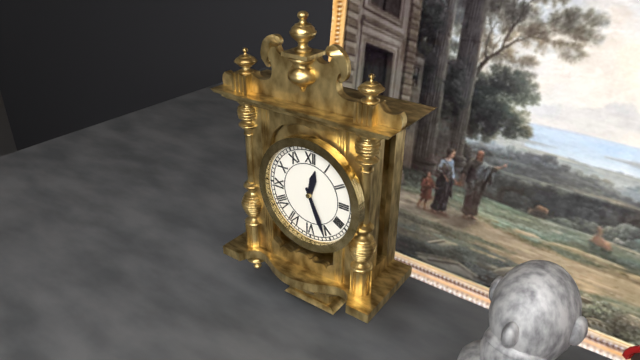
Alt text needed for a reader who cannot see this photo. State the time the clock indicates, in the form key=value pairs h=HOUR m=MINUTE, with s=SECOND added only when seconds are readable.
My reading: h=12 m=26
